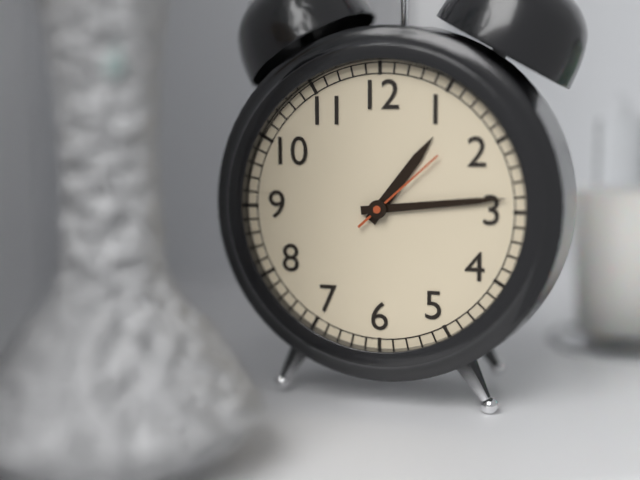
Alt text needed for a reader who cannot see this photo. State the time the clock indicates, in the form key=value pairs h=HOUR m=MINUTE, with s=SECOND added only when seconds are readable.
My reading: h=1 m=14 s=8
